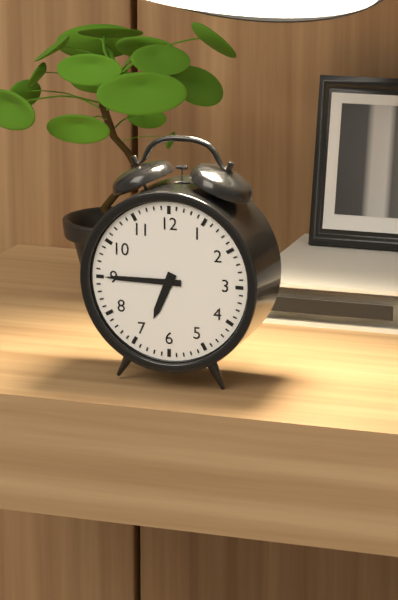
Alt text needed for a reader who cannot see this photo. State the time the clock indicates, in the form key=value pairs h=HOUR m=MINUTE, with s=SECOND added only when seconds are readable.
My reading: h=6 m=45
